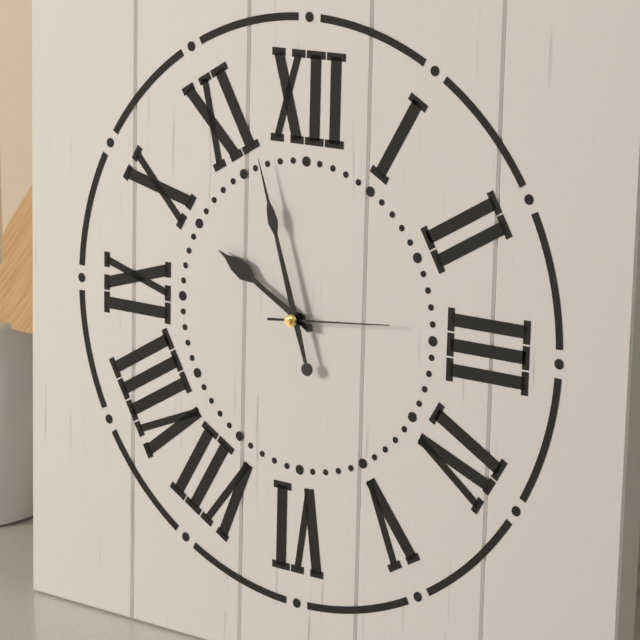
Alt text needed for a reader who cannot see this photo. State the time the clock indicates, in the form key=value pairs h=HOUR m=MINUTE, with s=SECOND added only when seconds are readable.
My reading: h=9 m=57 s=14
